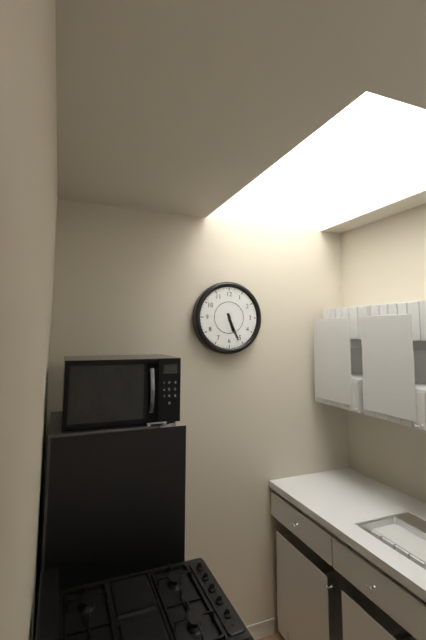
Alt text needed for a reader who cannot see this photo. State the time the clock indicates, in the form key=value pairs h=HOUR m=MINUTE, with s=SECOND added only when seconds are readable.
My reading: h=5 m=26
